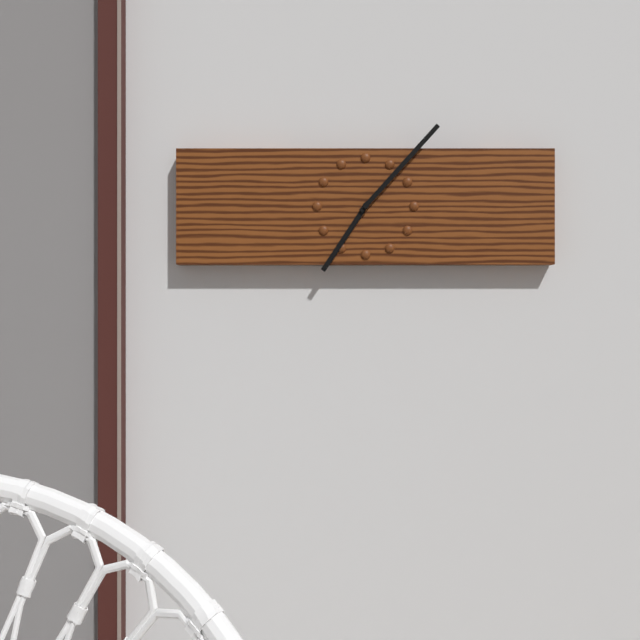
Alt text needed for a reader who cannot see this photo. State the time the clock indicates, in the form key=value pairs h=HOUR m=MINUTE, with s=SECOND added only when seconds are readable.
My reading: h=7 m=7
